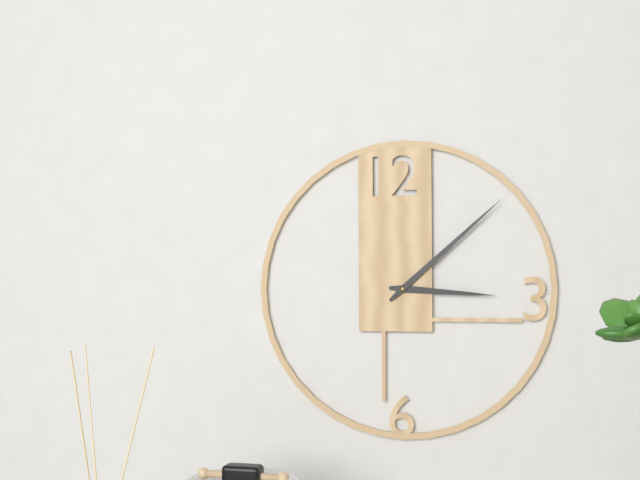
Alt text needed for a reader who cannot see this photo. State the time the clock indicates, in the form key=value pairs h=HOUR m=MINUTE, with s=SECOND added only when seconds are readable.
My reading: h=3 m=8
